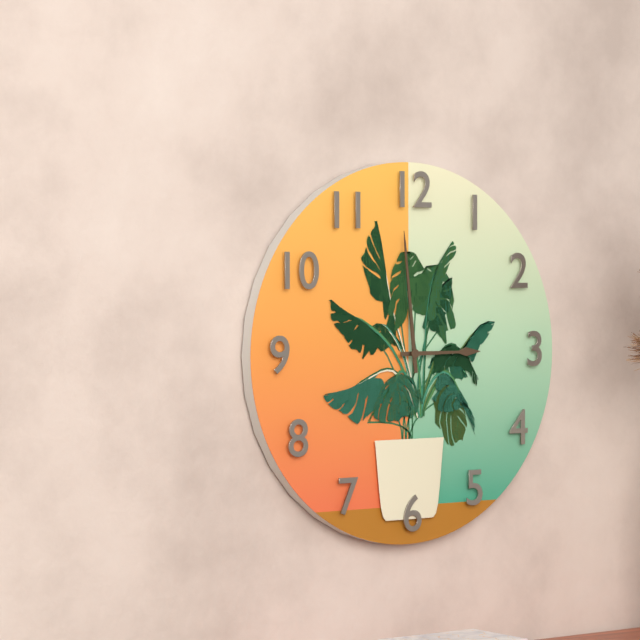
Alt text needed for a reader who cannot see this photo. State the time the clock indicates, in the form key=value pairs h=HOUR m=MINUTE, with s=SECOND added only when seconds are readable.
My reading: h=2 m=59
